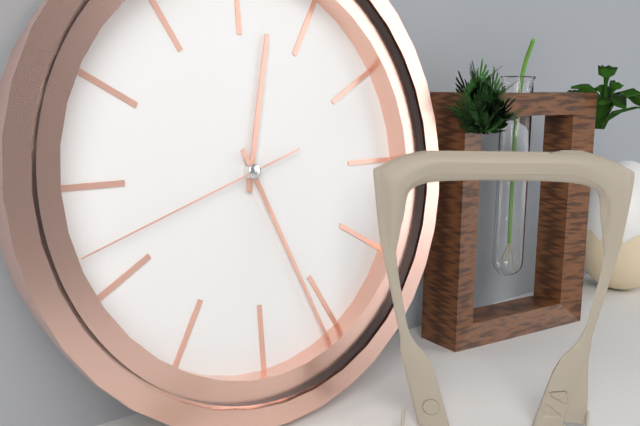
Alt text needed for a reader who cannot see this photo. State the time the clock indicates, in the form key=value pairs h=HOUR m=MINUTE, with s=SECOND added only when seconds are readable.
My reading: h=12 m=26 s=42
